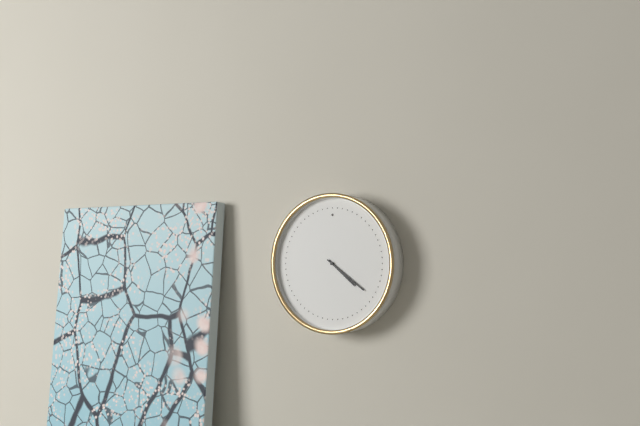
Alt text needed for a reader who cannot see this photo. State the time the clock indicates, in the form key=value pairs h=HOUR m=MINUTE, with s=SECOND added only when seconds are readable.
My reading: h=4 m=21
